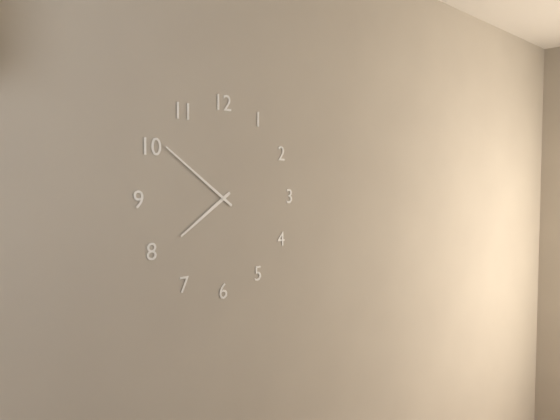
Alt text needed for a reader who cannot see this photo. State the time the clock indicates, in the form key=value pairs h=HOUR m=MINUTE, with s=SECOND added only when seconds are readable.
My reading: h=7 m=51
